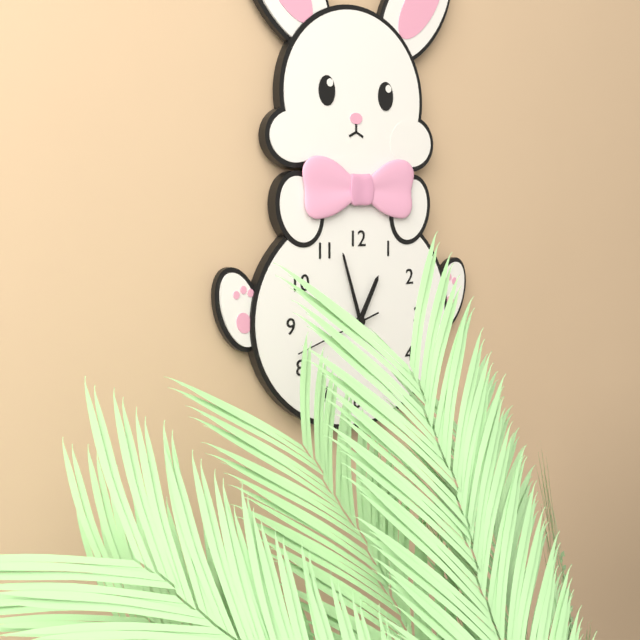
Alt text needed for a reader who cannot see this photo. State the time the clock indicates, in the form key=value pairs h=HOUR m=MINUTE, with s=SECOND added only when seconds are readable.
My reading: h=12 m=57 s=42
